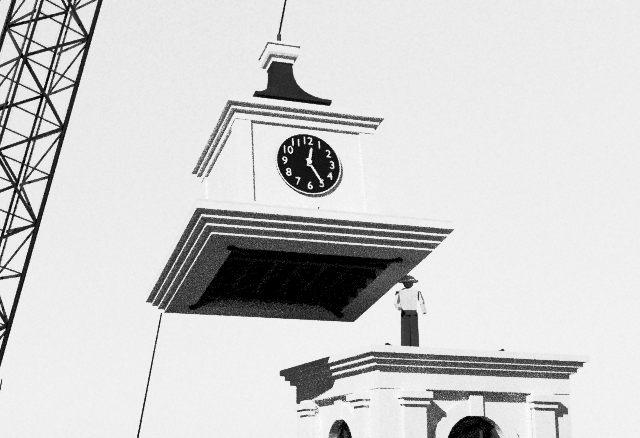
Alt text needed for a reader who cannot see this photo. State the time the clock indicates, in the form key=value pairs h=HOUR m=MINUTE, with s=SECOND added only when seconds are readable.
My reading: h=12 m=25
